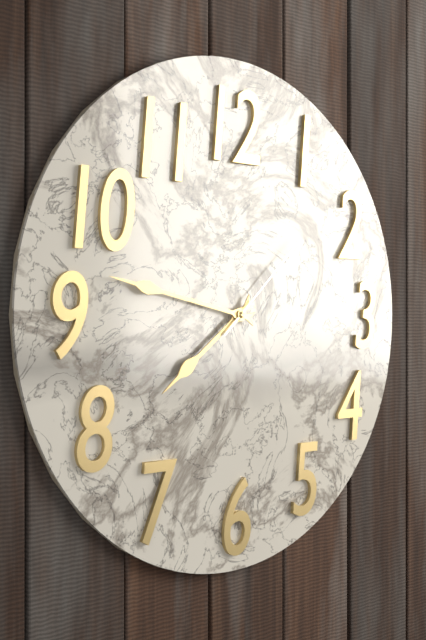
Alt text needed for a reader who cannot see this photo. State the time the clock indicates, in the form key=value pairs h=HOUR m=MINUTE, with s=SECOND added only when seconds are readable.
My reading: h=7 m=47 s=8
